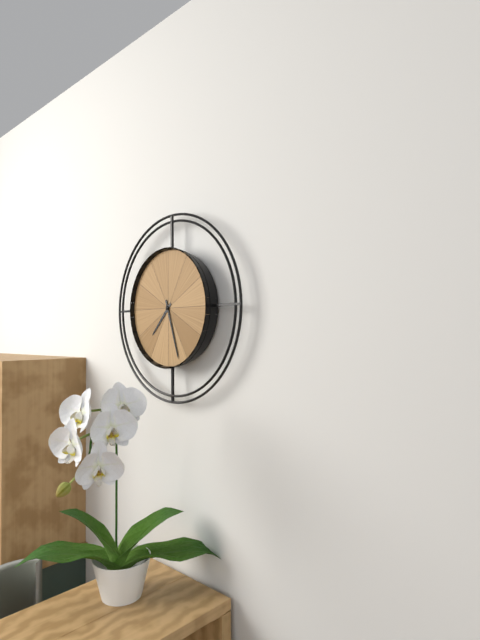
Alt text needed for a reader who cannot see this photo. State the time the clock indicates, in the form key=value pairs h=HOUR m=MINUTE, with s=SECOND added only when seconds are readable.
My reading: h=7 m=27
